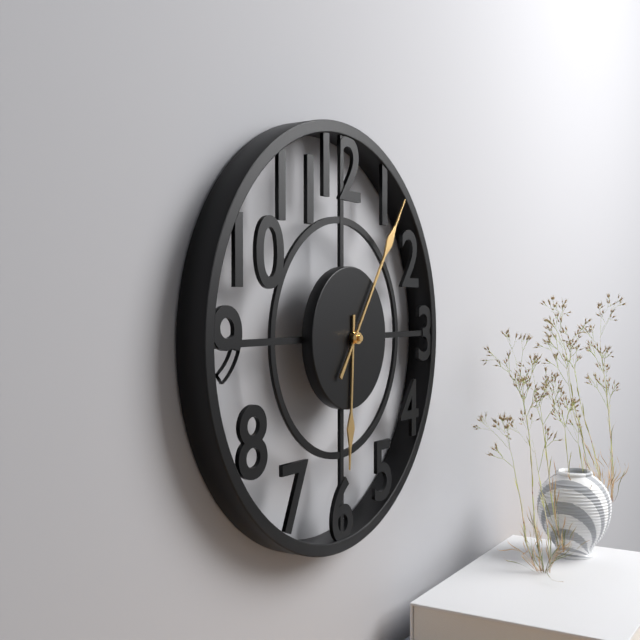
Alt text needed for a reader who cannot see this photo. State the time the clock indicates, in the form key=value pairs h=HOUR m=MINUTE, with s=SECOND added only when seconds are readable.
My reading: h=6 m=6
